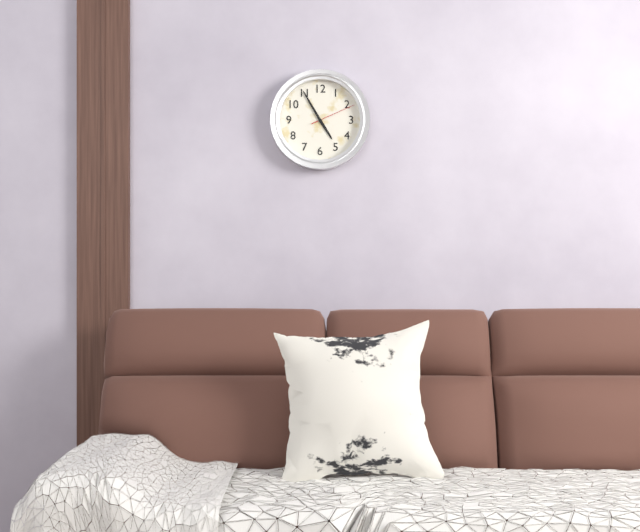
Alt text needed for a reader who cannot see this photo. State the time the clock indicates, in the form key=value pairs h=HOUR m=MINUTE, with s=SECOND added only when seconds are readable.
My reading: h=4 m=55
